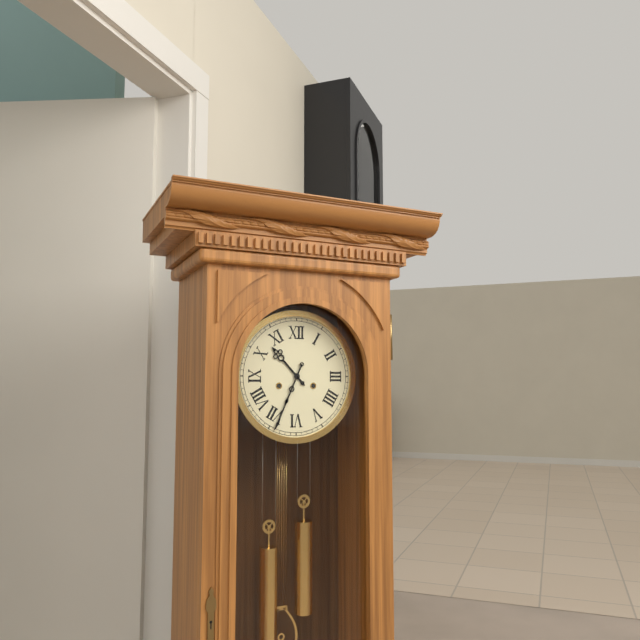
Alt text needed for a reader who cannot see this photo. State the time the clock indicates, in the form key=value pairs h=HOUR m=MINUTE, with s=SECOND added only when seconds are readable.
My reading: h=10 m=34
